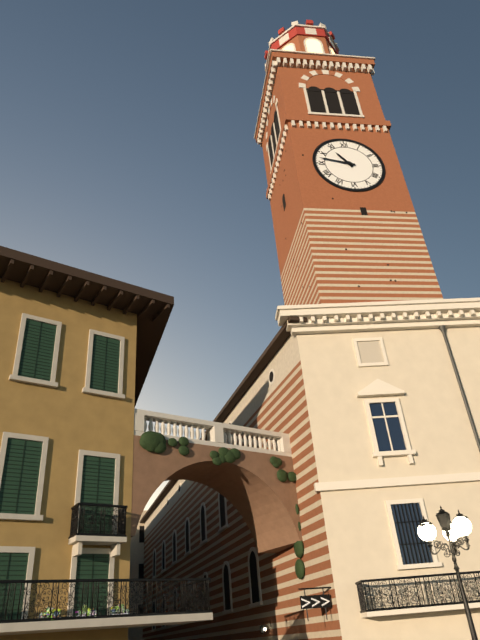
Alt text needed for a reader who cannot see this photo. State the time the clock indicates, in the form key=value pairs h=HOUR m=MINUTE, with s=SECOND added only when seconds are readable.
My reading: h=10 m=47
